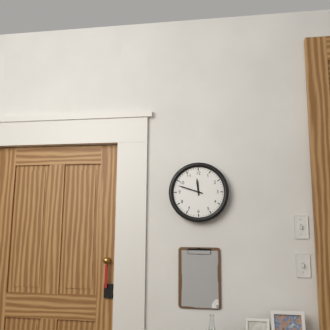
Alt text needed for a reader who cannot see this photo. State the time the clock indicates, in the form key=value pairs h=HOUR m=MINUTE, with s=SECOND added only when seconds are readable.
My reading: h=11 m=48
